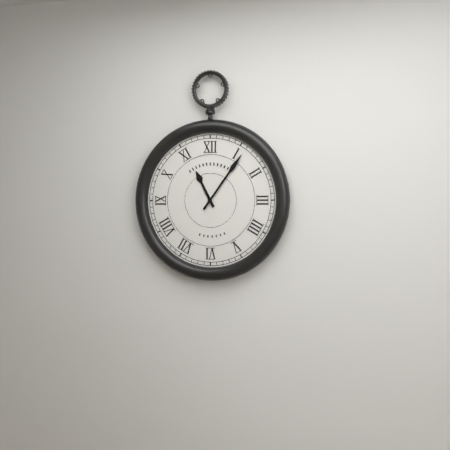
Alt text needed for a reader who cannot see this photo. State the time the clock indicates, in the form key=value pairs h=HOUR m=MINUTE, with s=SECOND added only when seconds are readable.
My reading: h=11 m=6
